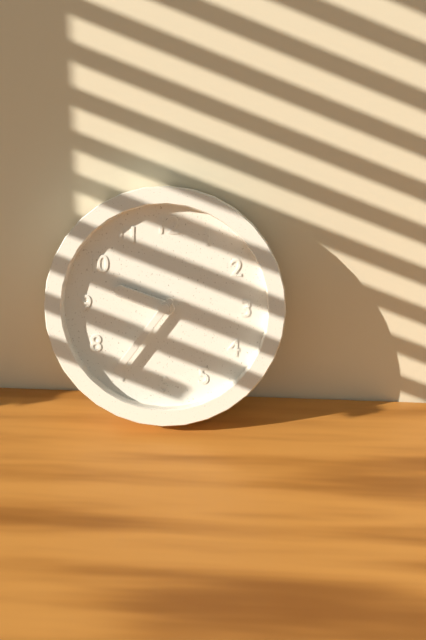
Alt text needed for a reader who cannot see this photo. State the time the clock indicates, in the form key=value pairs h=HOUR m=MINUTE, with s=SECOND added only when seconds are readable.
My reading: h=9 m=36
